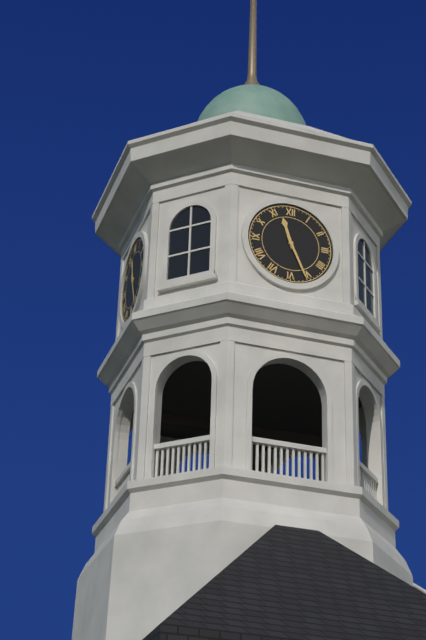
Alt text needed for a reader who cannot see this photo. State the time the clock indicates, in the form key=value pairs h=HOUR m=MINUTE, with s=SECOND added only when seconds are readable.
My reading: h=11 m=26
